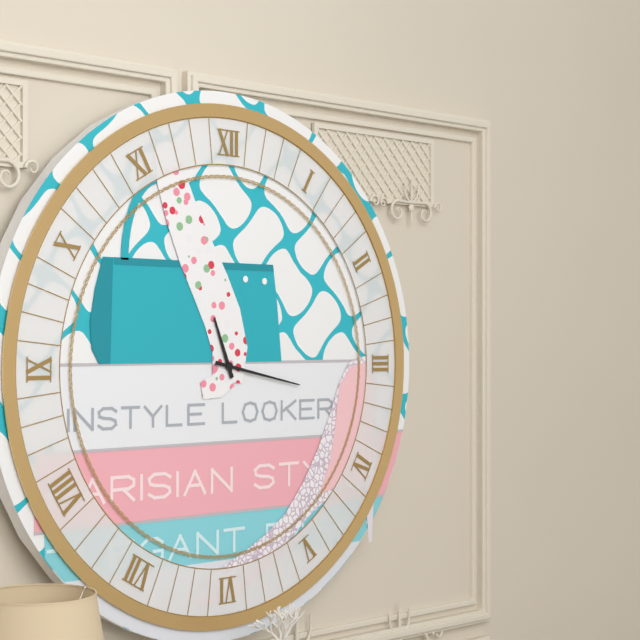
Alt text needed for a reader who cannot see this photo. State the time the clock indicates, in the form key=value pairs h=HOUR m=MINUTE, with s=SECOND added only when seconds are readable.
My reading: h=11 m=17
